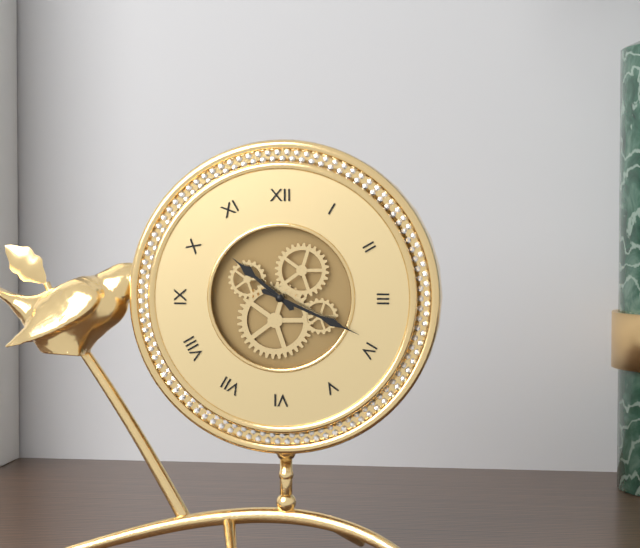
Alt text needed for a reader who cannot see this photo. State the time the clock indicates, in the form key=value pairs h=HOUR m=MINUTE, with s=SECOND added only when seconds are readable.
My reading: h=10 m=19
